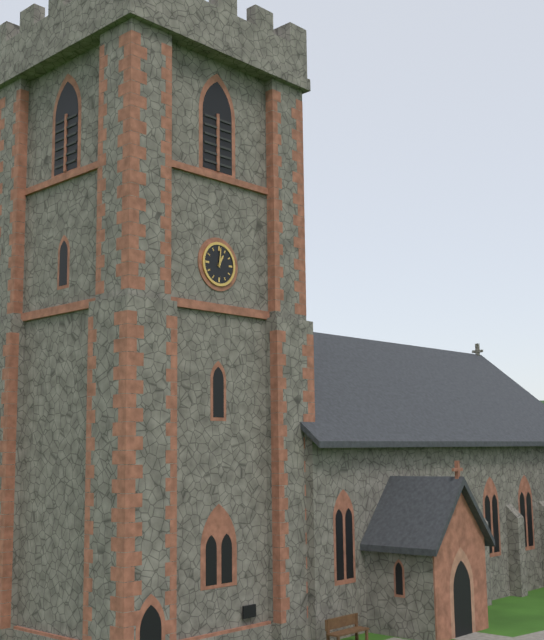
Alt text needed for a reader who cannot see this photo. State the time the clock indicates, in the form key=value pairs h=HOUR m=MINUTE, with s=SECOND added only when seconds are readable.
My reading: h=1 m=1
